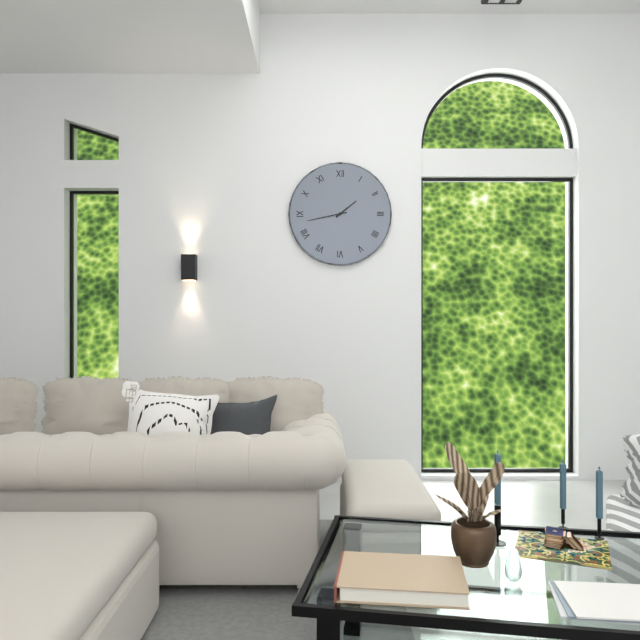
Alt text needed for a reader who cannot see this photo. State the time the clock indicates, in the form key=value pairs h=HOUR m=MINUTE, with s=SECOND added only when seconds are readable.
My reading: h=1 m=43
